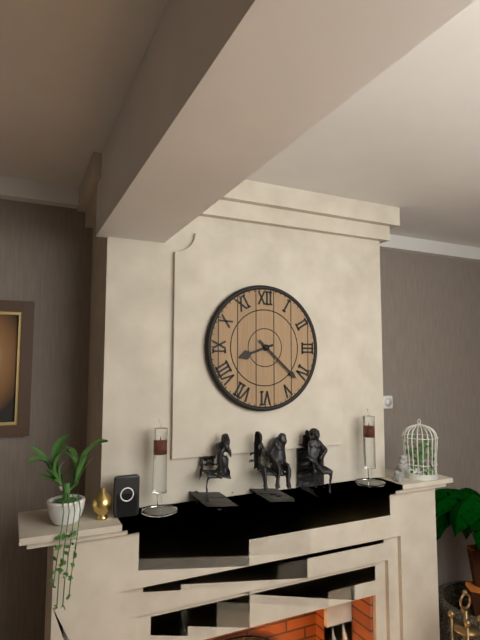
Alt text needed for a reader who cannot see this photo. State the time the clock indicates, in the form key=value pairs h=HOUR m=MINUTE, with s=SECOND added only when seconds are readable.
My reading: h=8 m=22
